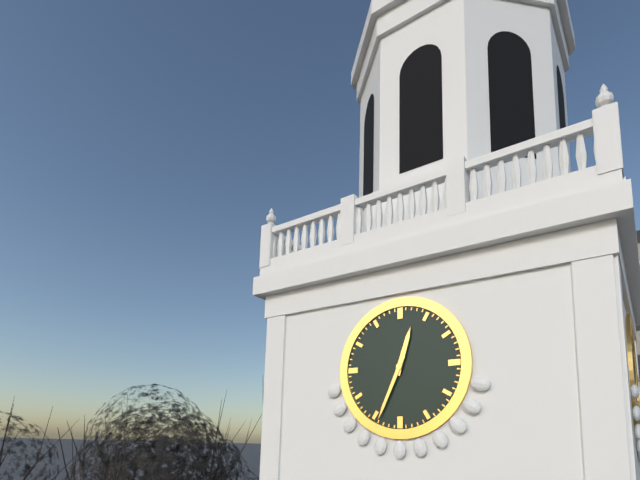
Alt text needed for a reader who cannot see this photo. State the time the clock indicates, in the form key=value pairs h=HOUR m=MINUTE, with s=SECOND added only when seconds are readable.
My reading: h=12 m=34
